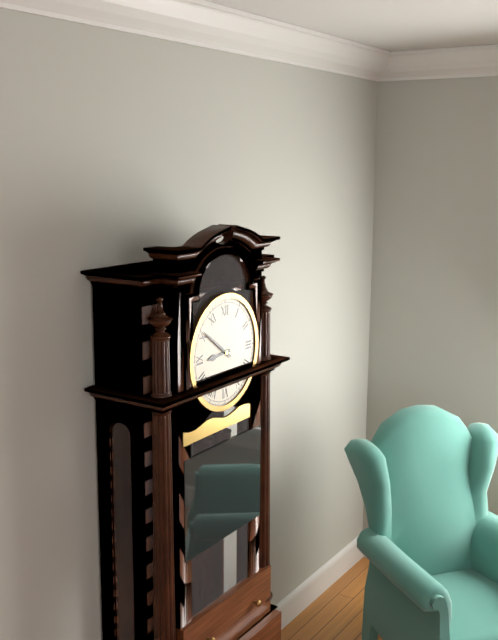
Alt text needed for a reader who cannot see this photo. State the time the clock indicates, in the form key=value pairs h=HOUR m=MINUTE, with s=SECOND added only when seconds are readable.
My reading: h=8 m=51
